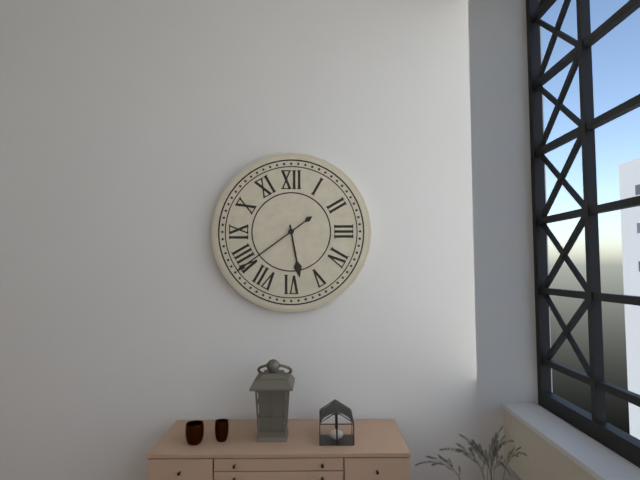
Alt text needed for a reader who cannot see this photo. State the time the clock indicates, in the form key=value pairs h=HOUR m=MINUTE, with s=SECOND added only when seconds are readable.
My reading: h=5 m=39
